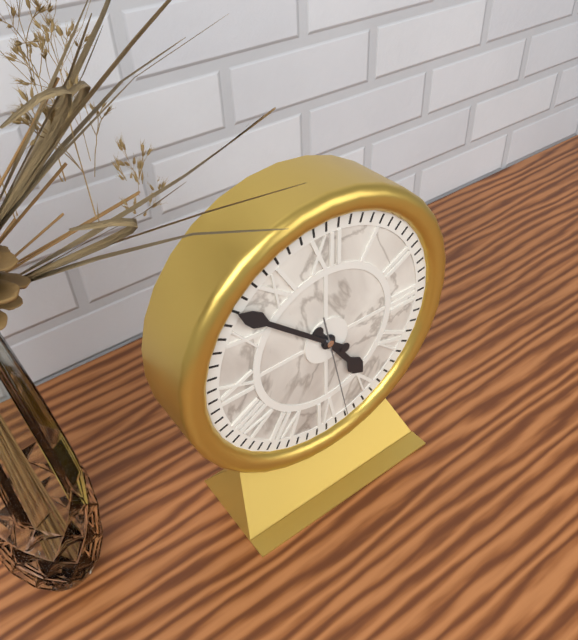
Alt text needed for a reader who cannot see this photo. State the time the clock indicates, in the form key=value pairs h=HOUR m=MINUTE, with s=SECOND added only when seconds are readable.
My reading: h=4 m=52 s=28
